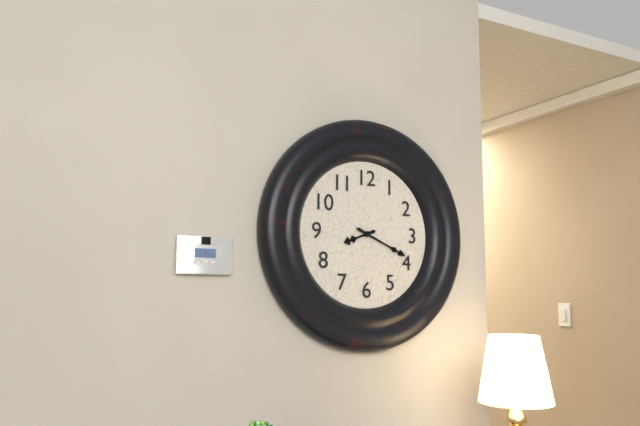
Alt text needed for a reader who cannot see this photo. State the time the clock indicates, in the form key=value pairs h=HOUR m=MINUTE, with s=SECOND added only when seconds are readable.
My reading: h=8 m=19
